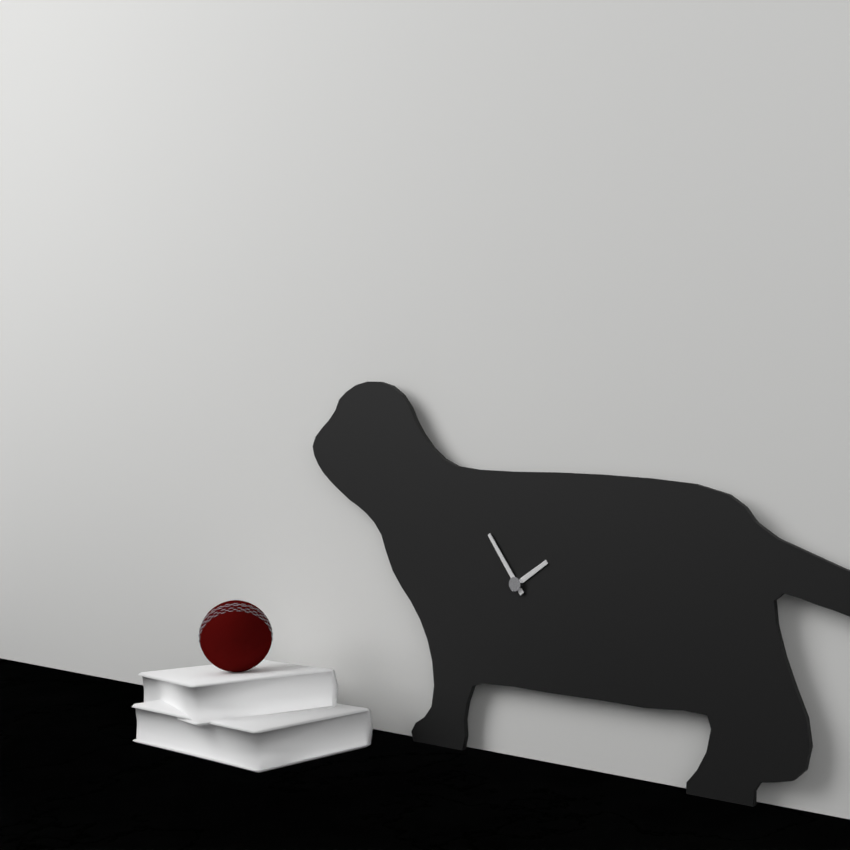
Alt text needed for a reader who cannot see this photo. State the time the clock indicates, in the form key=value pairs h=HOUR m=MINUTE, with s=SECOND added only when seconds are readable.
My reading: h=1 m=54
